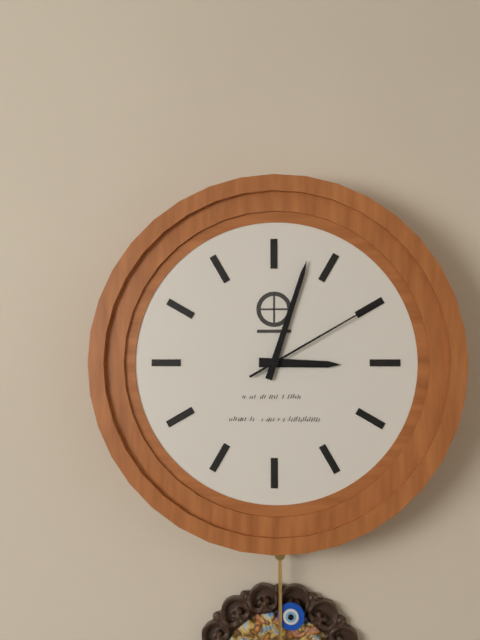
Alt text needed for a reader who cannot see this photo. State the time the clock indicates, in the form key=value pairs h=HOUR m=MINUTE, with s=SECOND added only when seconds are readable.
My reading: h=3 m=3 s=10
